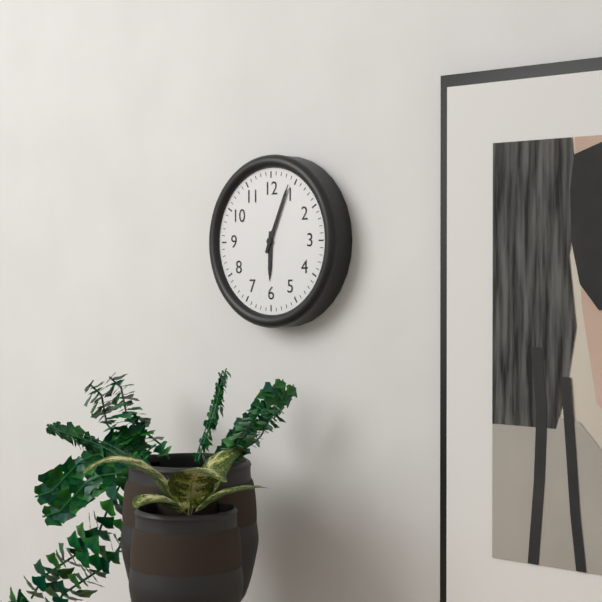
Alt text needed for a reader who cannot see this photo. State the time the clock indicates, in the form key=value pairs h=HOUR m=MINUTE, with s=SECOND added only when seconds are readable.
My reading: h=6 m=4
